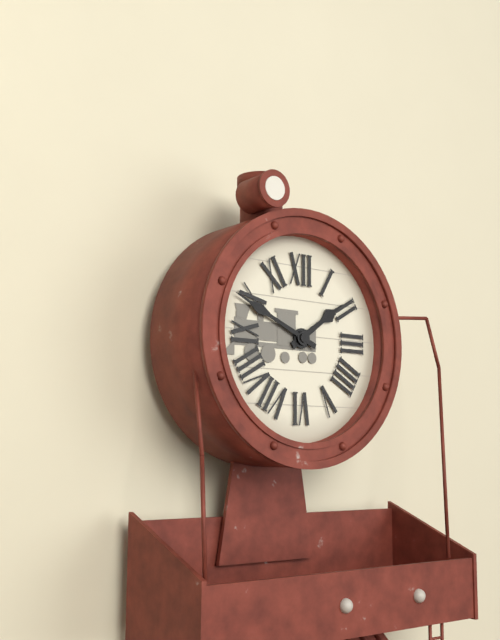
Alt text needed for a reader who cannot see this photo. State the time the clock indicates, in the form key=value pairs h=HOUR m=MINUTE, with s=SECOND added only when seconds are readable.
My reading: h=1 m=49
